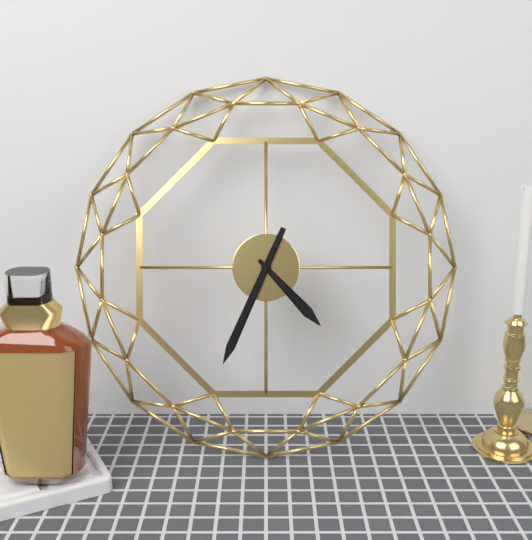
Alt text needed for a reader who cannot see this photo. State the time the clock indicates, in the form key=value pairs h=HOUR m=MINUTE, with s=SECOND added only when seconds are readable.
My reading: h=4 m=34
